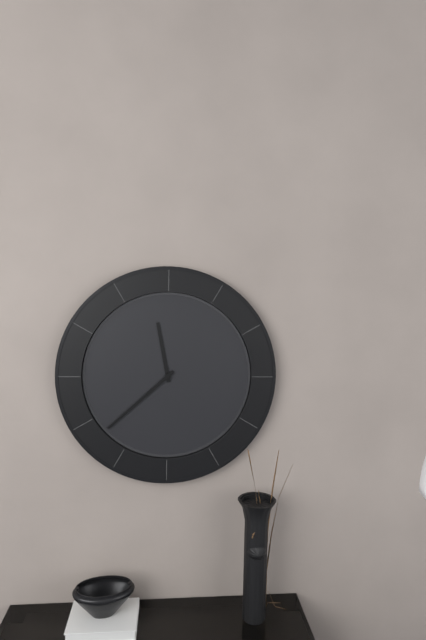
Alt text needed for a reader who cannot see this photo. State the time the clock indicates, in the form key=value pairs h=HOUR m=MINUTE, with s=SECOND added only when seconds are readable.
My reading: h=11 m=38
